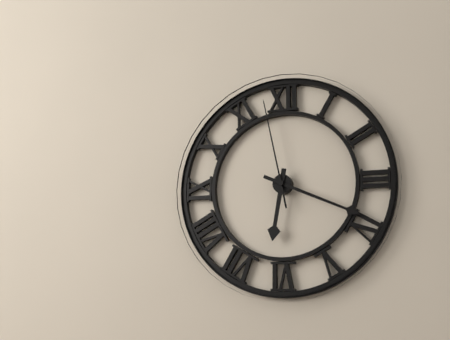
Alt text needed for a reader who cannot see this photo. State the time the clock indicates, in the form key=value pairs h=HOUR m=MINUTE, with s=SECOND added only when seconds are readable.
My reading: h=6 m=19 s=58
